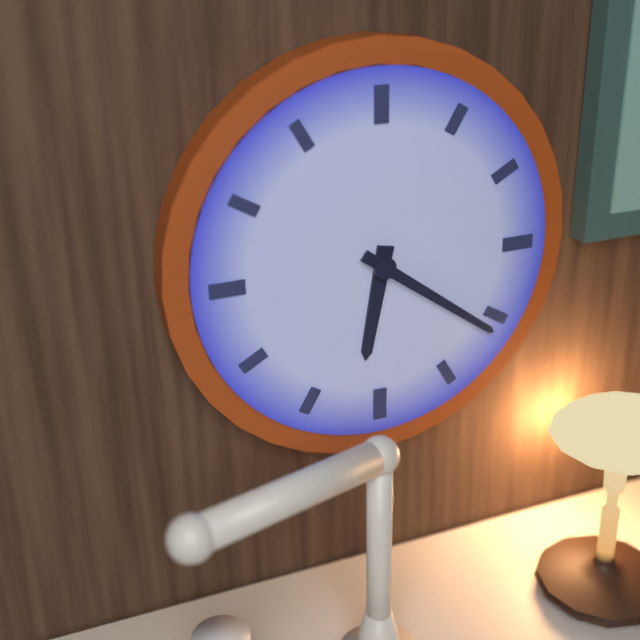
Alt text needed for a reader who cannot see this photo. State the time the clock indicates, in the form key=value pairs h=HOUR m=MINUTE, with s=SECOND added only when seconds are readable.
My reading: h=6 m=21
